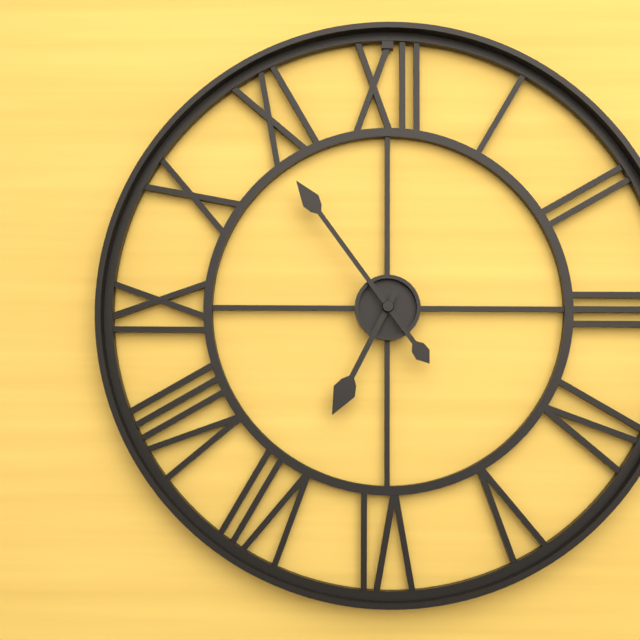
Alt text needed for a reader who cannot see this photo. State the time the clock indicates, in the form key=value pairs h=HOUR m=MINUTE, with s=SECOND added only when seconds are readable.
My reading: h=6 m=54
